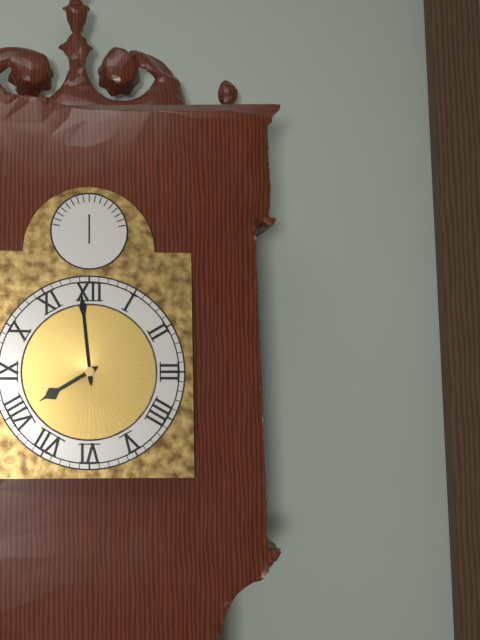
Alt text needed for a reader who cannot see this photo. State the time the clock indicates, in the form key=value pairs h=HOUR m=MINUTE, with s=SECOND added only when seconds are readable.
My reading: h=7 m=59
